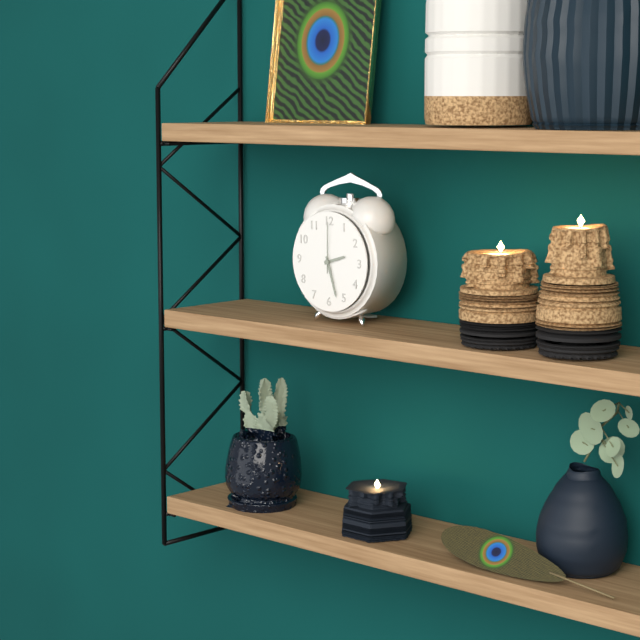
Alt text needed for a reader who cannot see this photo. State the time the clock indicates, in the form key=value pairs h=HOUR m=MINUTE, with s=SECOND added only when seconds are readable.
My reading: h=2 m=27
